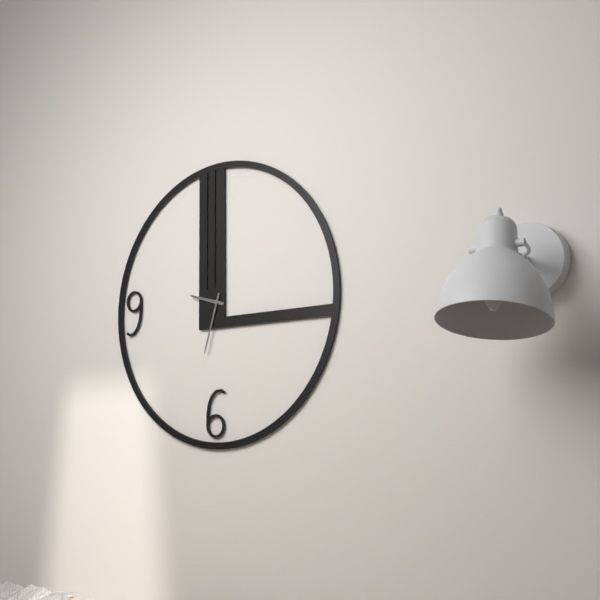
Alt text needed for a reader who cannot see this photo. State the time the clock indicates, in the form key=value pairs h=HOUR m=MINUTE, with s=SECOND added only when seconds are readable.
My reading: h=9 m=33
